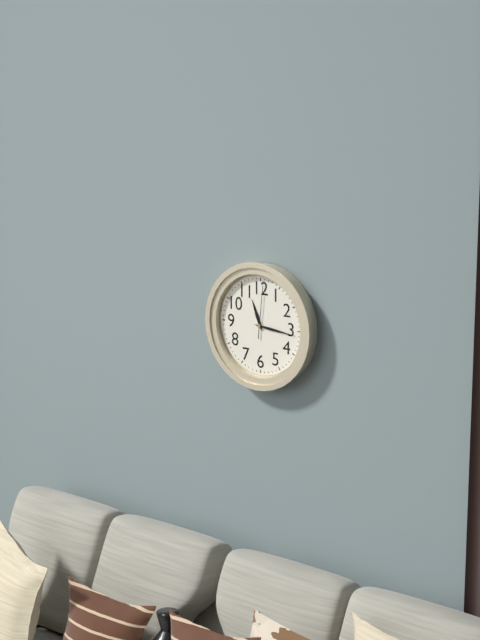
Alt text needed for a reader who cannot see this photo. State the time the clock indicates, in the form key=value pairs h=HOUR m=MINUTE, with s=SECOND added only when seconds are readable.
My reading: h=11 m=16 s=1
